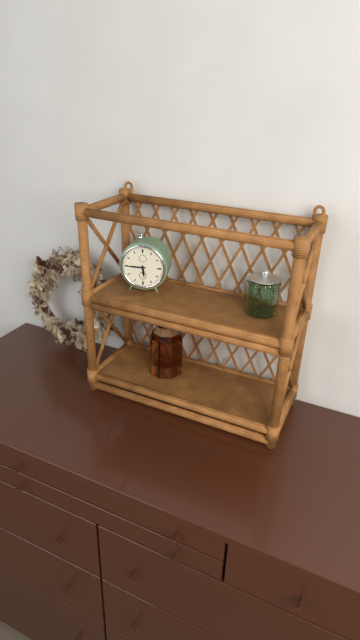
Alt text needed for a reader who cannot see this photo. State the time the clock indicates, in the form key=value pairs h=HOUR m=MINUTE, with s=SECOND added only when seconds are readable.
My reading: h=5 m=45
